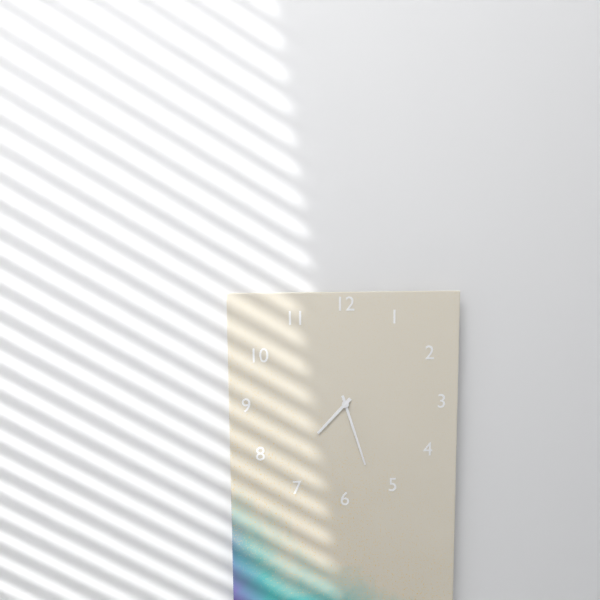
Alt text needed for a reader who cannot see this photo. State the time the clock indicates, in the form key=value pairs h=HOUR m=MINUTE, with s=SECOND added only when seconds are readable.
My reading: h=7 m=27
